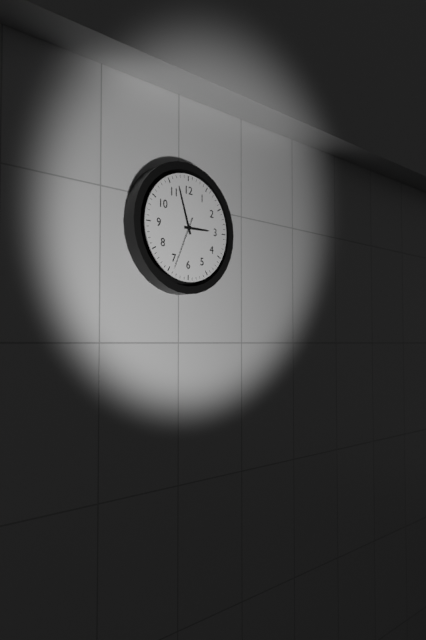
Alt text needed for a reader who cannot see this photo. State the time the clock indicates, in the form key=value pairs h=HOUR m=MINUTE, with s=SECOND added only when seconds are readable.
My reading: h=2 m=57 s=34
